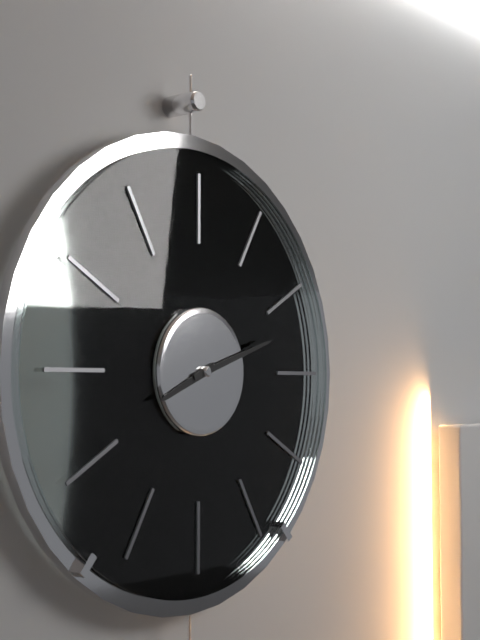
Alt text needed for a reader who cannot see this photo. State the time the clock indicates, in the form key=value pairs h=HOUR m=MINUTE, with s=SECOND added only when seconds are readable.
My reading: h=8 m=12
